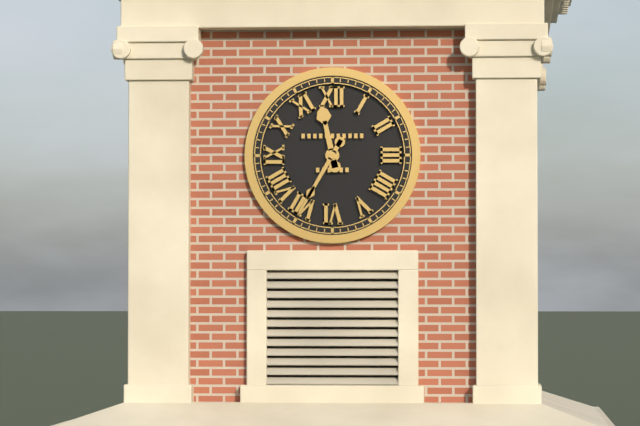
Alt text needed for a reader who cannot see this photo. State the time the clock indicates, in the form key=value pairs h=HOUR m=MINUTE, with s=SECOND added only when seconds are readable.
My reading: h=11 m=35
